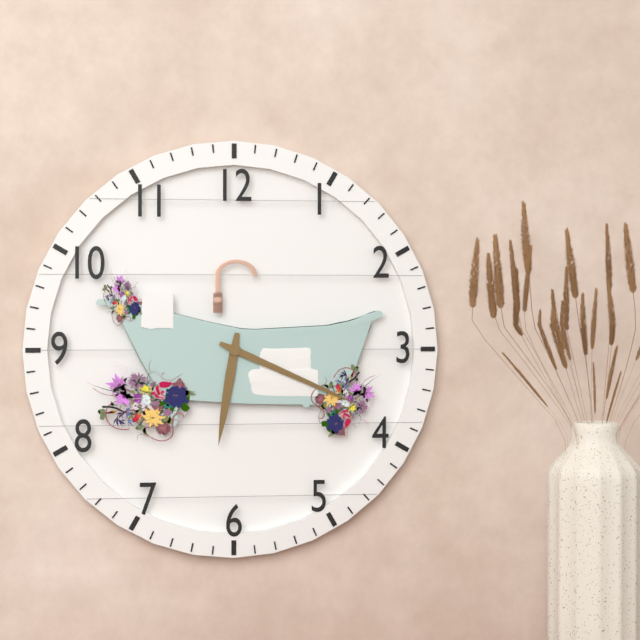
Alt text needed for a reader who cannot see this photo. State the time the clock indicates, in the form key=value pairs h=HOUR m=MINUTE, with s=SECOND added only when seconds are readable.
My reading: h=6 m=19
